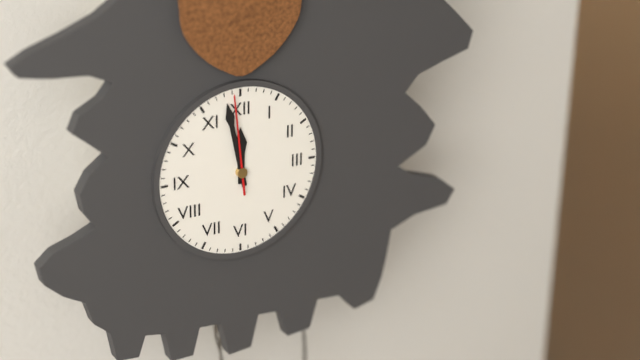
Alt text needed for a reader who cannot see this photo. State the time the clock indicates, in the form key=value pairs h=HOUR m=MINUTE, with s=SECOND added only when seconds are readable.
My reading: h=11 m=58 s=59
